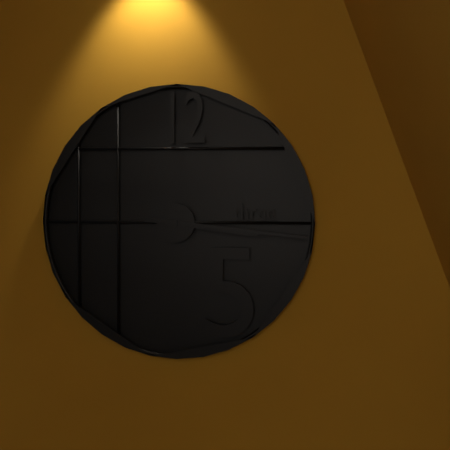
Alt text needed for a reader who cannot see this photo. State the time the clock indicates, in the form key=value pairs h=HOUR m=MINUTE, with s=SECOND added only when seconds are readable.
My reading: h=3 m=16
